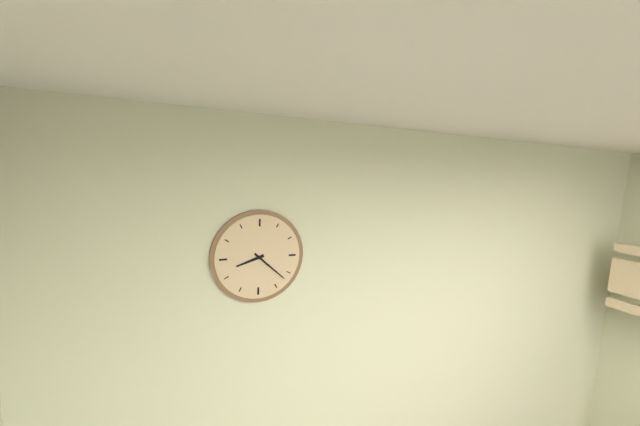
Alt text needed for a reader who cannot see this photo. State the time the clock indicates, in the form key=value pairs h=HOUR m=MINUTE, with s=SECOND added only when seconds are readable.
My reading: h=8 m=22
